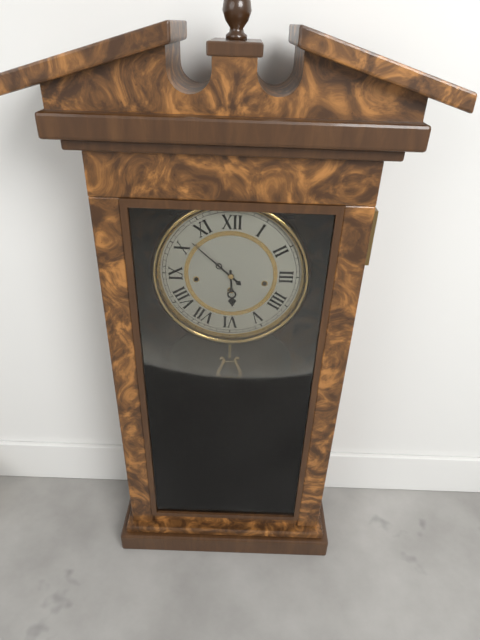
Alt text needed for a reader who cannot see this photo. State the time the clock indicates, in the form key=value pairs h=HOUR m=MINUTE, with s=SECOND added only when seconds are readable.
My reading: h=5 m=52
